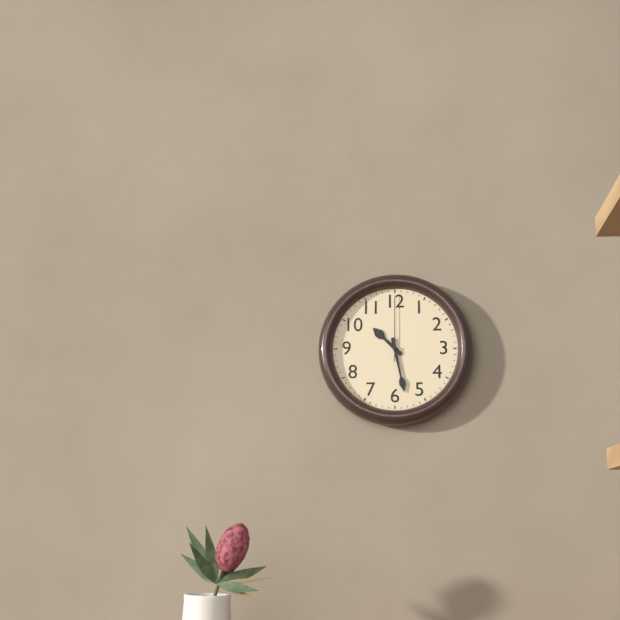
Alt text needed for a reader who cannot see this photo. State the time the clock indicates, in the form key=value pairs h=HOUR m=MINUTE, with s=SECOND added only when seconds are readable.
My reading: h=10 m=28 s=0
